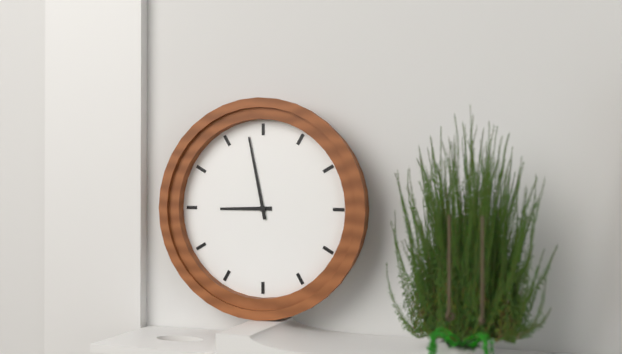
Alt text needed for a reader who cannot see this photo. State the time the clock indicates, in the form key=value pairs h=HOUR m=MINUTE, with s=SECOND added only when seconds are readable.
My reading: h=8 m=58
